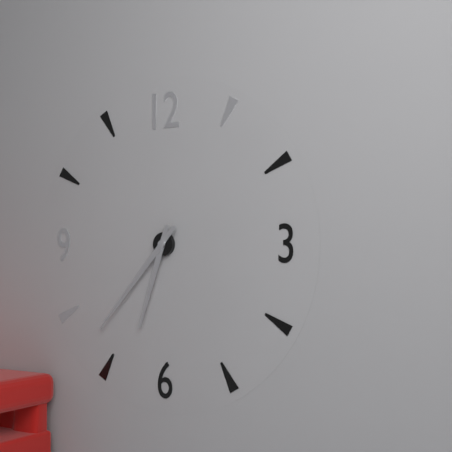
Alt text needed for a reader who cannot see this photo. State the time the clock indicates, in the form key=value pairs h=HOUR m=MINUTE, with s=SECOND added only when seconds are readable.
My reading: h=6 m=37
